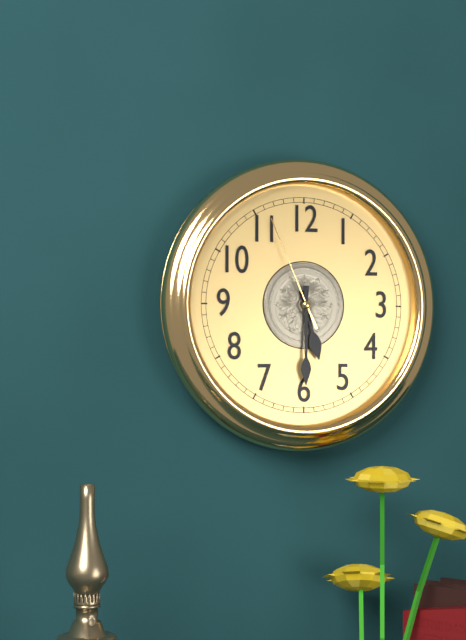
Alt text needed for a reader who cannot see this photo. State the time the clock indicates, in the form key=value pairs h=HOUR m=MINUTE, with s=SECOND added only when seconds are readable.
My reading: h=5 m=30 s=56
